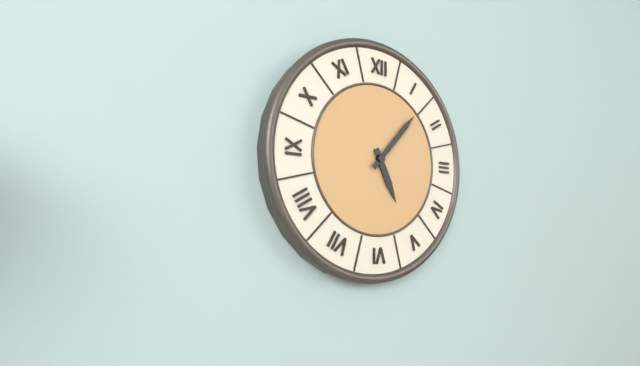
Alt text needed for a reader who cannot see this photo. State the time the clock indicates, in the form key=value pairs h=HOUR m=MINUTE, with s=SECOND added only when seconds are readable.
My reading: h=5 m=7
